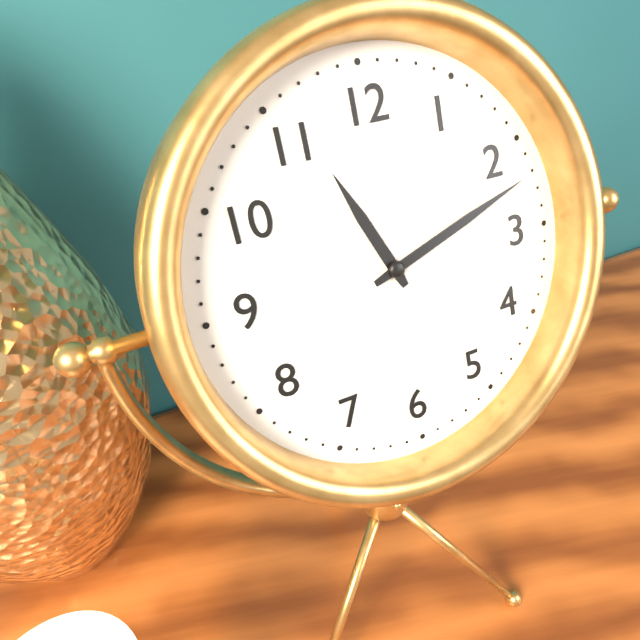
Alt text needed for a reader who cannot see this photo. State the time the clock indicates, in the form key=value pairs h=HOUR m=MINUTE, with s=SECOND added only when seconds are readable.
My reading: h=11 m=12
